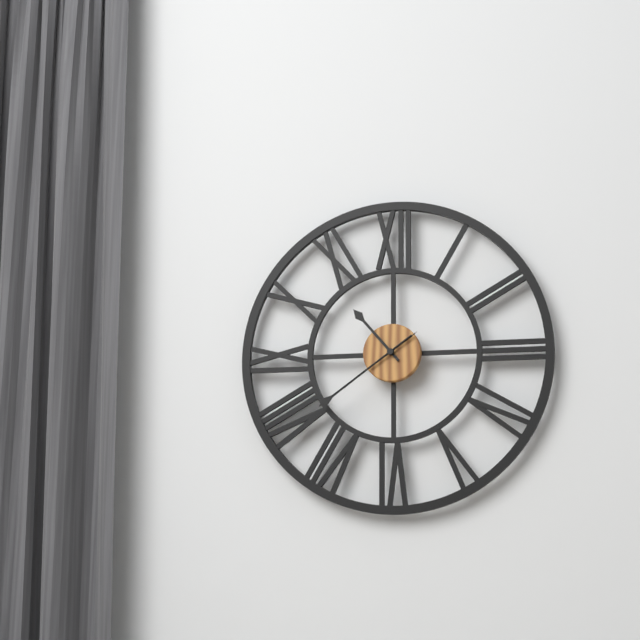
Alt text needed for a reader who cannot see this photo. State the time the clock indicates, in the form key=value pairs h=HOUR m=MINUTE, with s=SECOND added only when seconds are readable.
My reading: h=10 m=39
